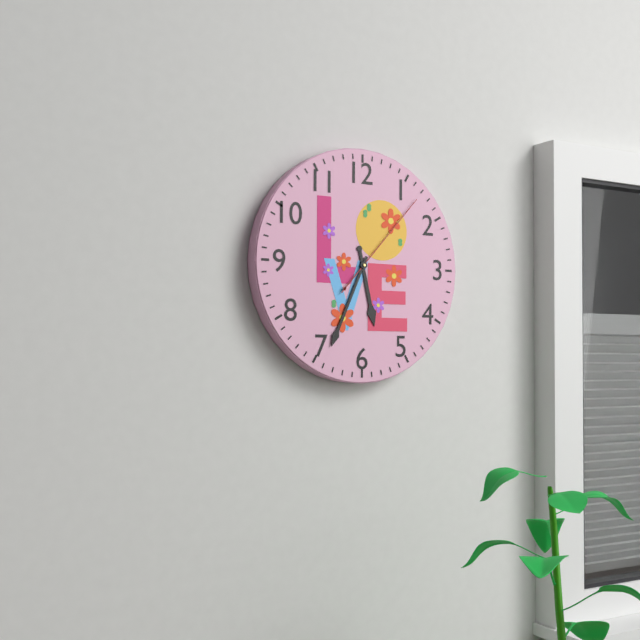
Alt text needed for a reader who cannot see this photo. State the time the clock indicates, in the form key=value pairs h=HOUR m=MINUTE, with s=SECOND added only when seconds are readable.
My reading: h=5 m=34 s=7
